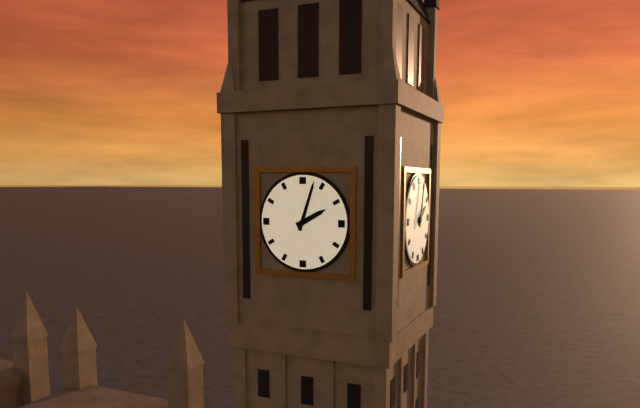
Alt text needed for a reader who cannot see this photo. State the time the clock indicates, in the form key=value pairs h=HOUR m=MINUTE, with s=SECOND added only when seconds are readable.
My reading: h=2 m=3
